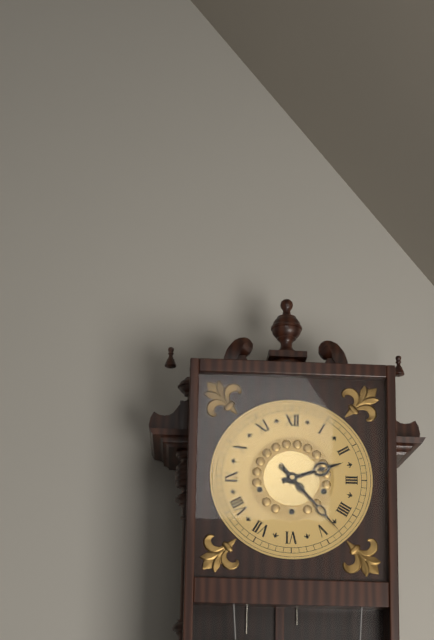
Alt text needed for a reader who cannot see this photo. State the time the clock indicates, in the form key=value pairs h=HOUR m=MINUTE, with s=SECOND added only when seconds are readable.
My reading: h=2 m=23
